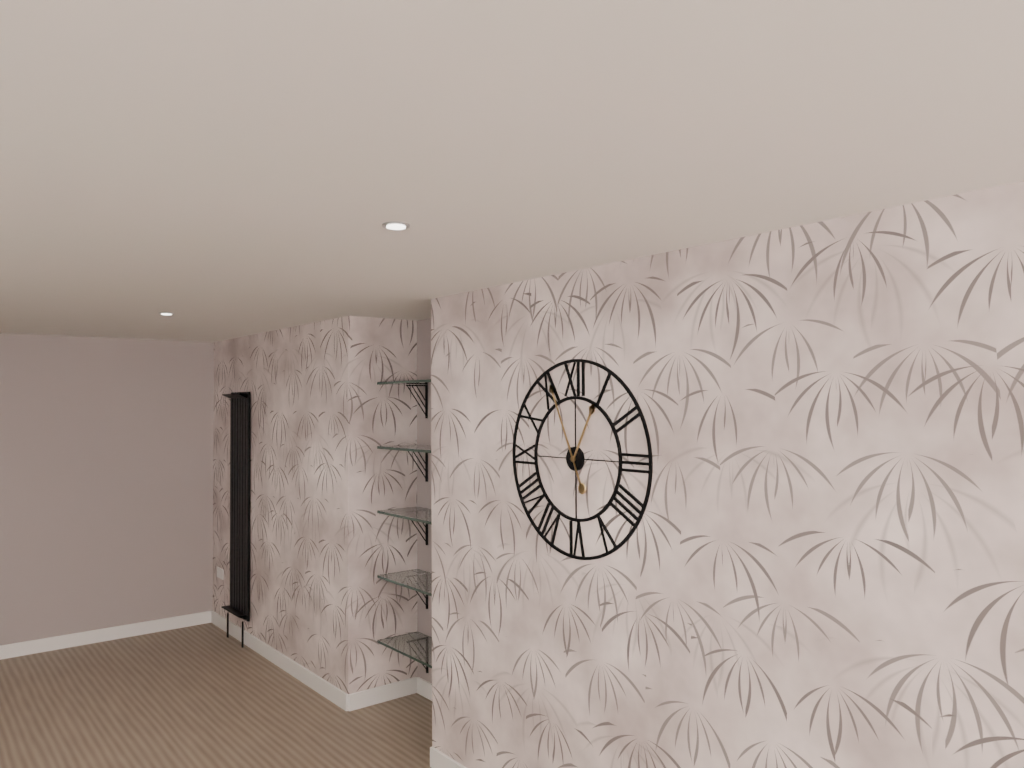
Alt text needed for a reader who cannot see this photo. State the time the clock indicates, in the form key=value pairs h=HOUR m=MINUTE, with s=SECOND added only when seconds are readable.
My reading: h=12 m=56
